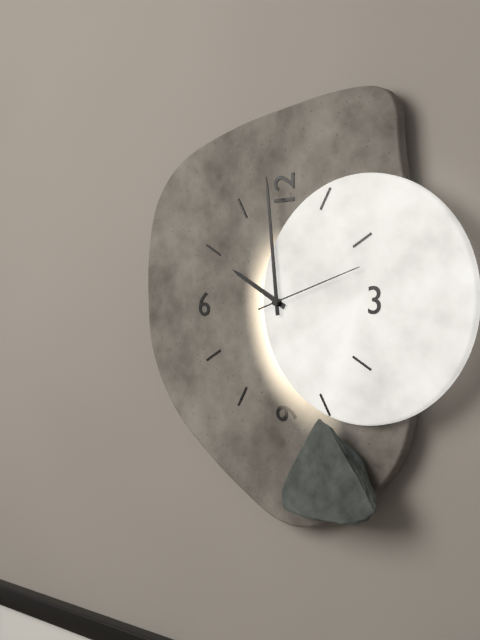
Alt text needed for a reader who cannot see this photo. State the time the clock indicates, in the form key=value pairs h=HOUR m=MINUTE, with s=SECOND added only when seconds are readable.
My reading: h=9 m=59 s=12
